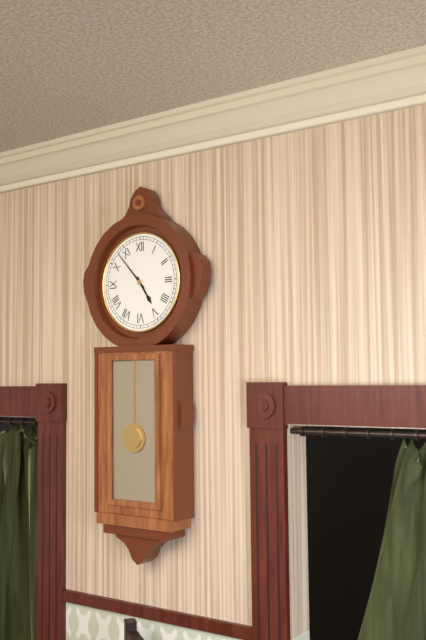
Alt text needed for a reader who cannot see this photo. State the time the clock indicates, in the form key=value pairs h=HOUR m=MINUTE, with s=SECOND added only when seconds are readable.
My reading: h=4 m=53
